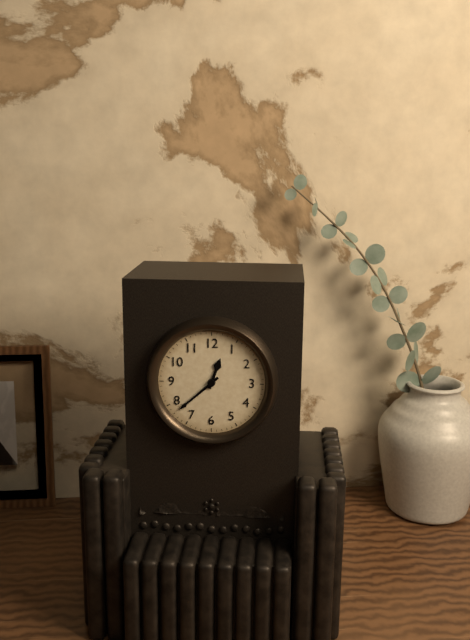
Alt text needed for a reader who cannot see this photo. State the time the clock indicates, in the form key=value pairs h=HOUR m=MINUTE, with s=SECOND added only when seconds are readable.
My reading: h=12 m=38
